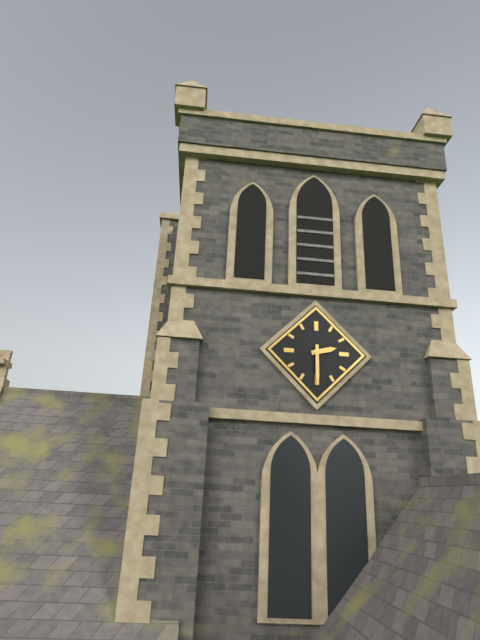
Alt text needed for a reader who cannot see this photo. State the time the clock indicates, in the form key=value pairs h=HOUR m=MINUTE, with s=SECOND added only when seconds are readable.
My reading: h=2 m=30
